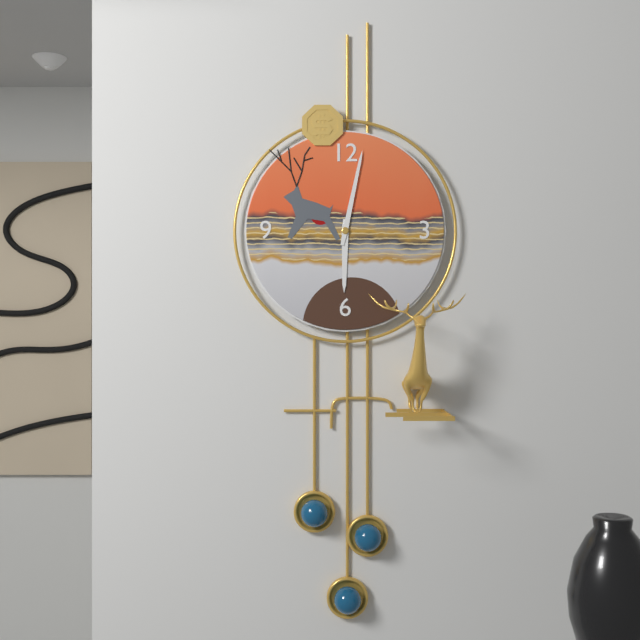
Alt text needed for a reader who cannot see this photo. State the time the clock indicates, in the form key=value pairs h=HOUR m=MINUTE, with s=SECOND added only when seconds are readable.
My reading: h=6 m=2
